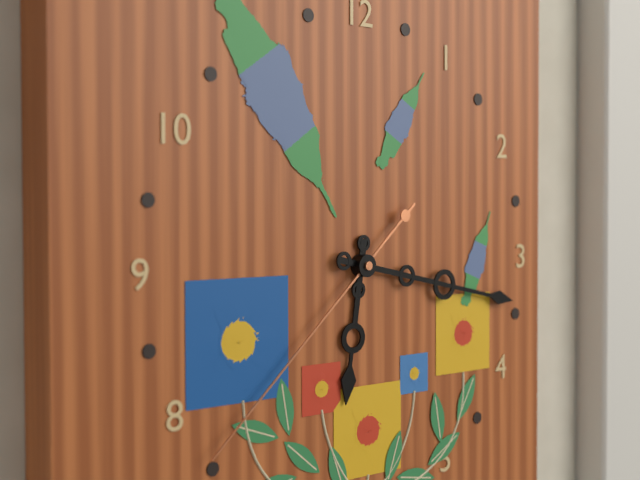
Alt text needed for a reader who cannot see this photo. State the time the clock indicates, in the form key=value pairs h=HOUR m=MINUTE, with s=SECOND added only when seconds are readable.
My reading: h=6 m=17 s=38
